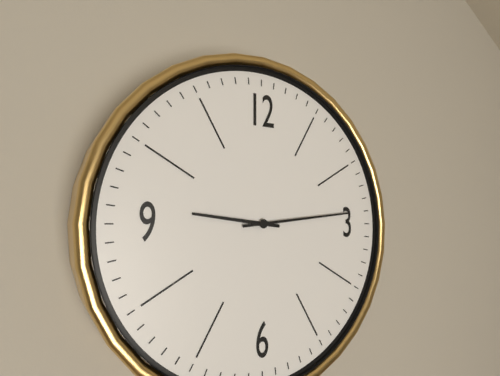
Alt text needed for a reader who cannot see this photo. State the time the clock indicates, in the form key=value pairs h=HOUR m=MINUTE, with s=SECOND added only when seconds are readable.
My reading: h=9 m=14
